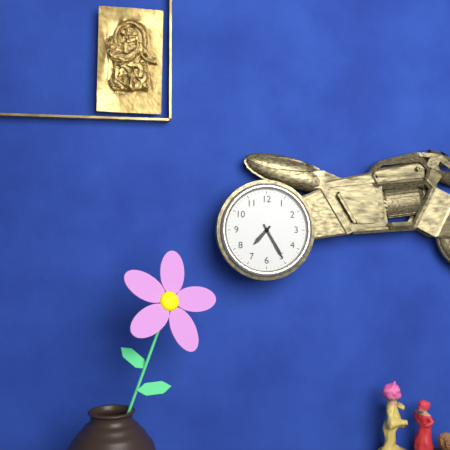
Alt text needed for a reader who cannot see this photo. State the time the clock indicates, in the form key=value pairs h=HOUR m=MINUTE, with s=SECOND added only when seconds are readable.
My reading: h=7 m=25
